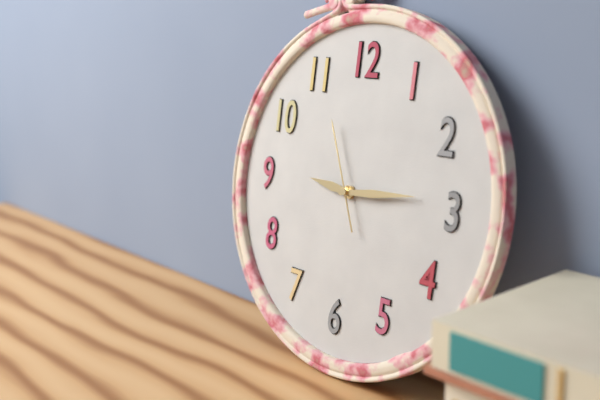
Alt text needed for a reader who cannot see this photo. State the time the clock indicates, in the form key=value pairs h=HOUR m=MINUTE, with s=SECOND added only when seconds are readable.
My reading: h=9 m=14 s=56
